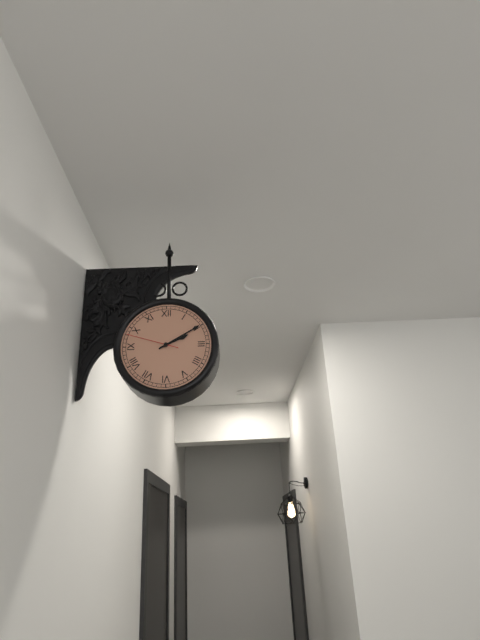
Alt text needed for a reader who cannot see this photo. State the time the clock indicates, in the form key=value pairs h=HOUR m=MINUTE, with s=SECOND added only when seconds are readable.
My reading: h=2 m=10 s=48
